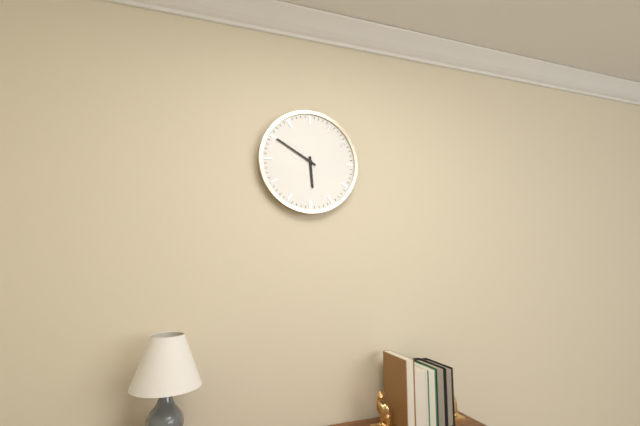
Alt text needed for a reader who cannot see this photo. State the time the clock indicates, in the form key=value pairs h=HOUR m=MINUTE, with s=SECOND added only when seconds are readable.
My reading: h=5 m=50
